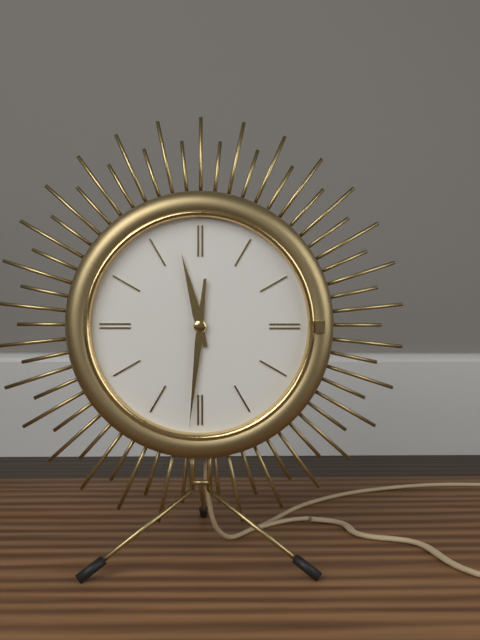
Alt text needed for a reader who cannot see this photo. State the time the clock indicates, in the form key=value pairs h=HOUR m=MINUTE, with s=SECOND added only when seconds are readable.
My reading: h=11 m=31
